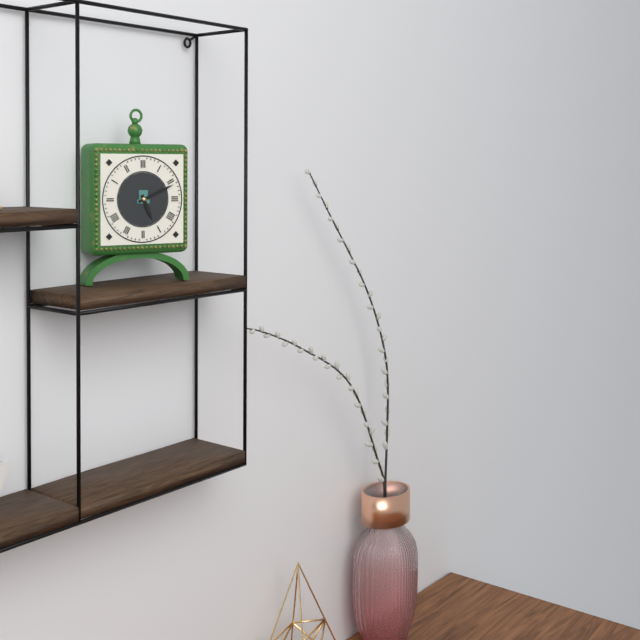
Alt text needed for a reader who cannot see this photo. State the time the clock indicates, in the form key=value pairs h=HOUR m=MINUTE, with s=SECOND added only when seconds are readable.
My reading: h=5 m=11
